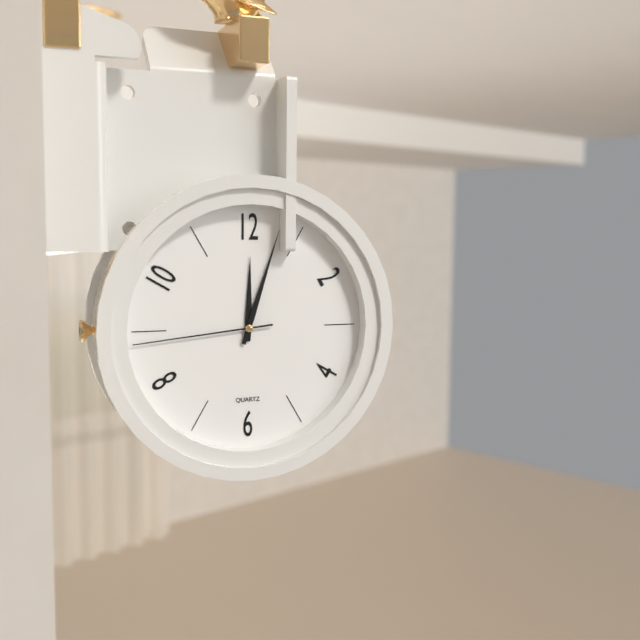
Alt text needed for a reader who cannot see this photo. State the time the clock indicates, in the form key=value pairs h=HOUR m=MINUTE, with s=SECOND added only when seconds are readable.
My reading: h=12 m=3 s=44
